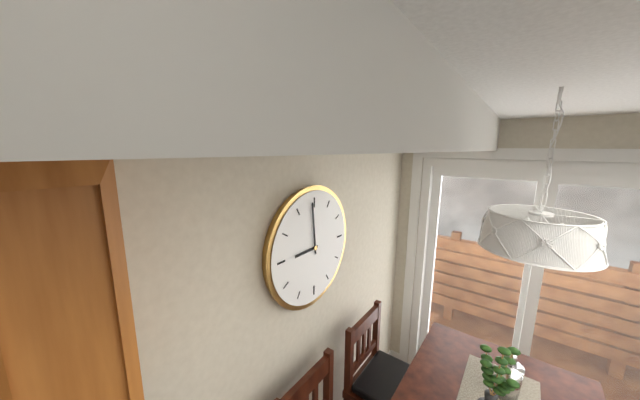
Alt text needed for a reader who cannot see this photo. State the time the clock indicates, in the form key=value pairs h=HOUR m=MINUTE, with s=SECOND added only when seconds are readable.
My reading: h=8 m=59
